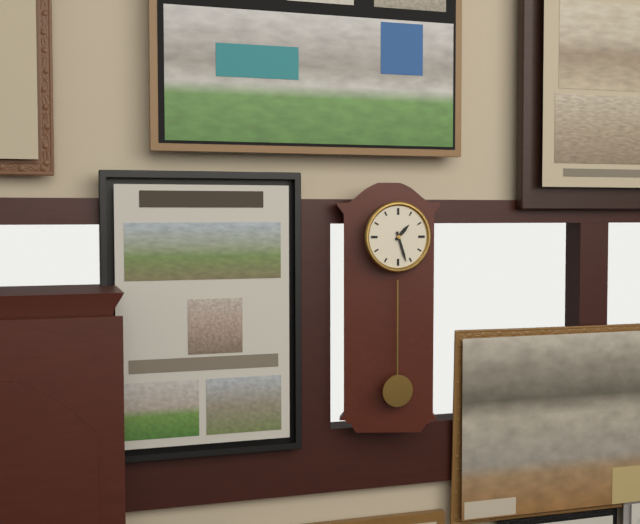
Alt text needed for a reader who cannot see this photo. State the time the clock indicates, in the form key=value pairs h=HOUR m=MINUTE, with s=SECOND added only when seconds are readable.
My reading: h=1 m=27
